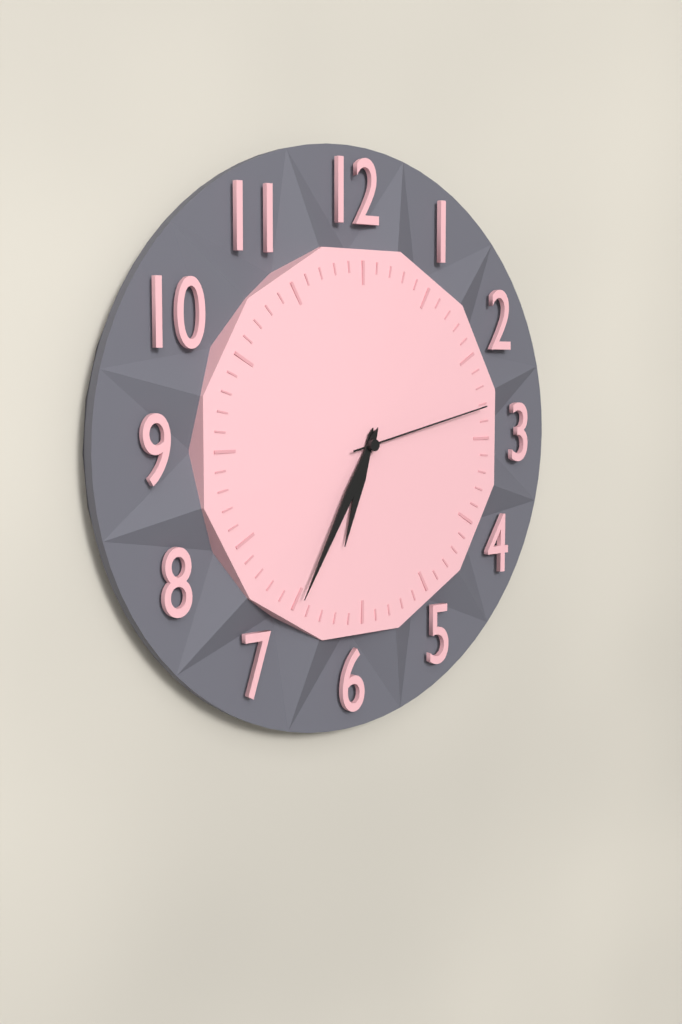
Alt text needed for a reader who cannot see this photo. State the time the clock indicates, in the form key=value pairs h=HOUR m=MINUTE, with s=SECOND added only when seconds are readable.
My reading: h=6 m=35 s=13
